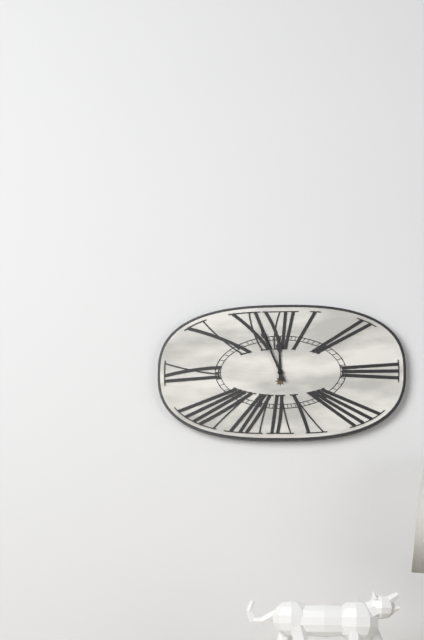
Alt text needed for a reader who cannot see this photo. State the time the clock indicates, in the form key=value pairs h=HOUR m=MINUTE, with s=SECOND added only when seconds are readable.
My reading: h=11 m=56
